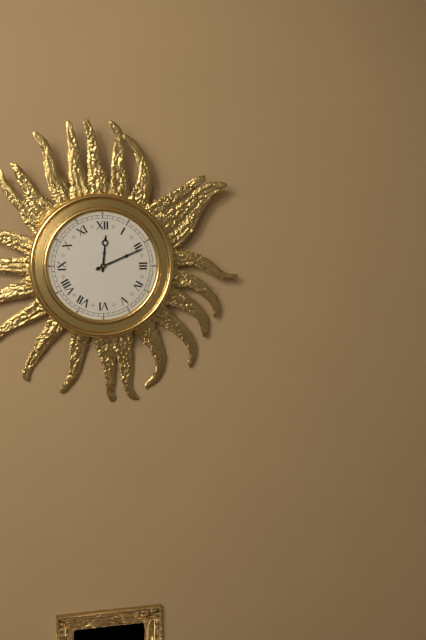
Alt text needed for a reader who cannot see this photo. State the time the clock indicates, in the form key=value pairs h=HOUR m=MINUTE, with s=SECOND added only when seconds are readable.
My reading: h=12 m=11
